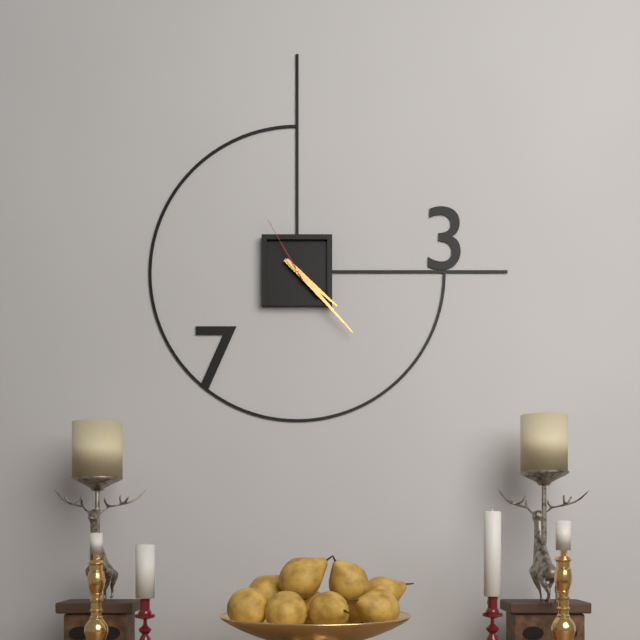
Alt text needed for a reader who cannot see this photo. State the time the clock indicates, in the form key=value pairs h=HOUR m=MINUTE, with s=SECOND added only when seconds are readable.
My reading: h=4 m=23 s=55
